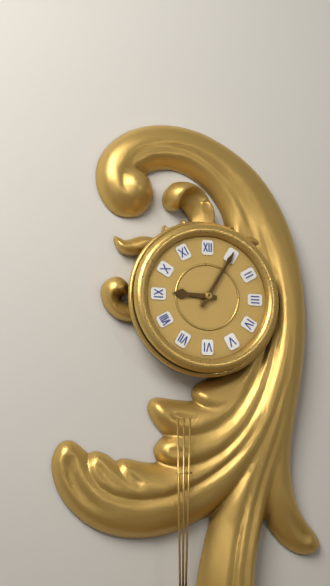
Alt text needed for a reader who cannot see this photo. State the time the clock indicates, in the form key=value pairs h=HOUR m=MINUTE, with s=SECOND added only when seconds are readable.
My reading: h=9 m=5
